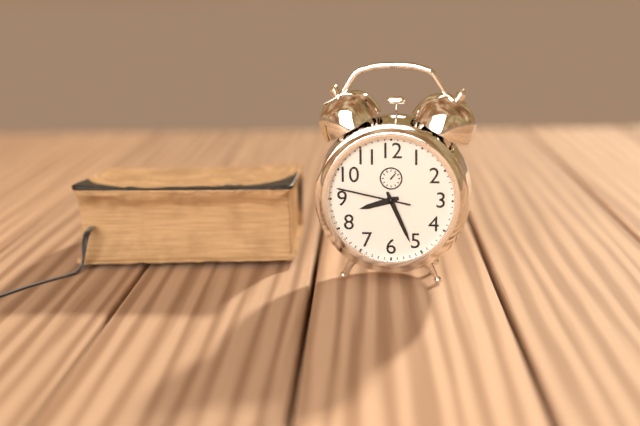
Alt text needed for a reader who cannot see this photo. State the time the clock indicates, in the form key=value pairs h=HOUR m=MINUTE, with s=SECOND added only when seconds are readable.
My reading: h=8 m=26 s=47
